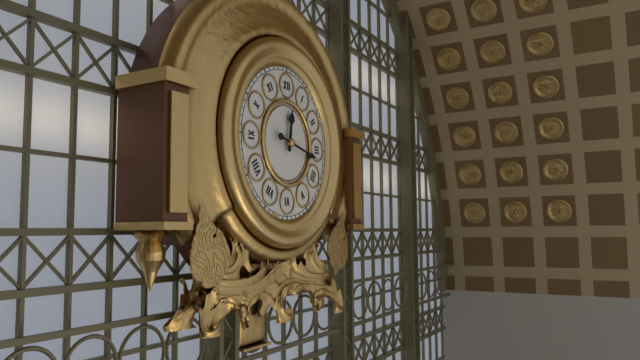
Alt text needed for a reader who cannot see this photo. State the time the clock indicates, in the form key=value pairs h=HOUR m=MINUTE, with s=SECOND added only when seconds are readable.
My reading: h=12 m=17
